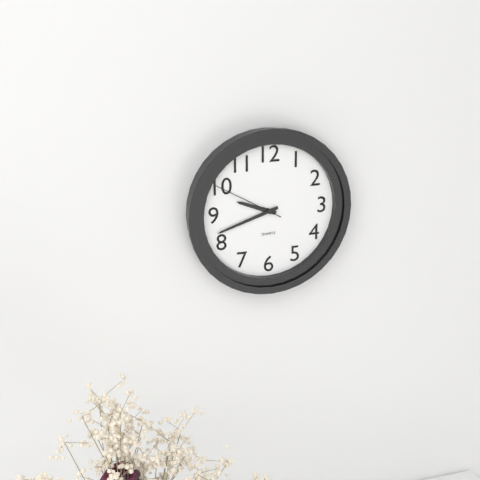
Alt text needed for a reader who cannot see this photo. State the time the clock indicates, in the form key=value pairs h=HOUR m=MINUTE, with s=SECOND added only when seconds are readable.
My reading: h=9 m=42 s=50
